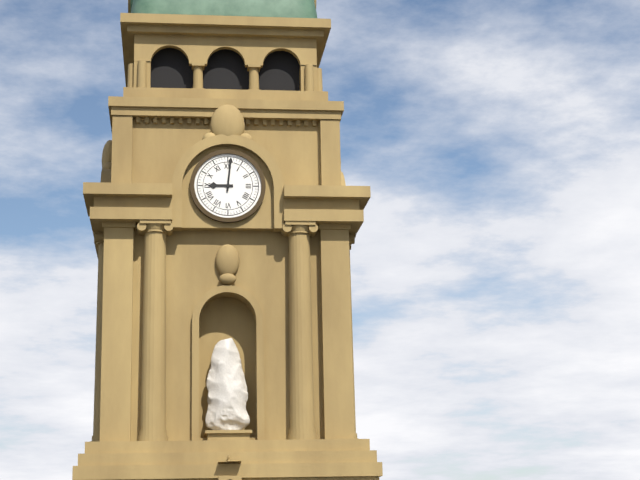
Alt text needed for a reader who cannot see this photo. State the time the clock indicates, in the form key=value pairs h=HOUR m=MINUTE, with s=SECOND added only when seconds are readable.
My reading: h=9 m=1
